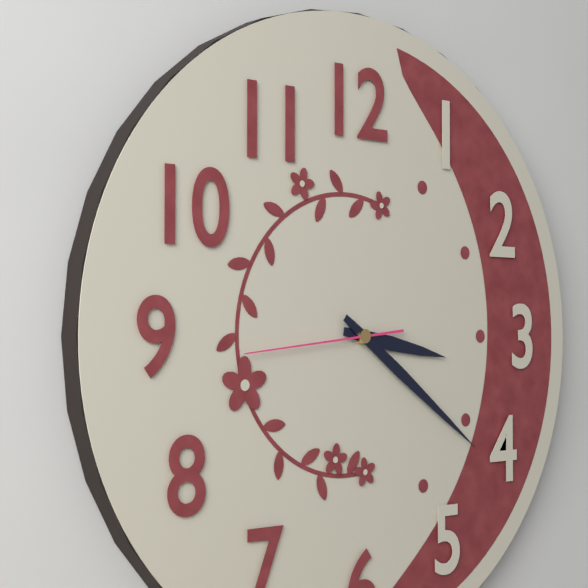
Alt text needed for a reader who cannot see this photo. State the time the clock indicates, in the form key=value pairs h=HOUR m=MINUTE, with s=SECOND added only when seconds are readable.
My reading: h=3 m=21 s=44
